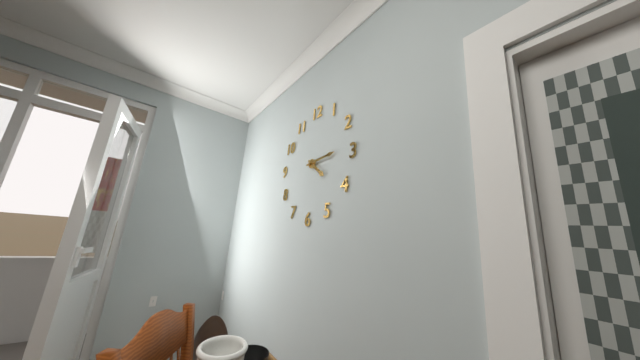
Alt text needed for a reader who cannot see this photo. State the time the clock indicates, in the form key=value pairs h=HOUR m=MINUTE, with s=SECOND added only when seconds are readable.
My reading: h=4 m=14
